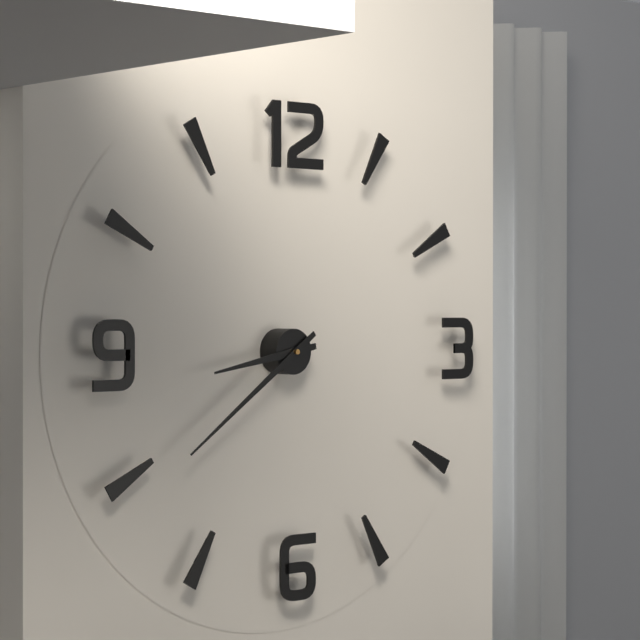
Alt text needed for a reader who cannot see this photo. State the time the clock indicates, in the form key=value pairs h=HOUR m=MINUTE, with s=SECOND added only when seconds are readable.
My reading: h=8 m=39
